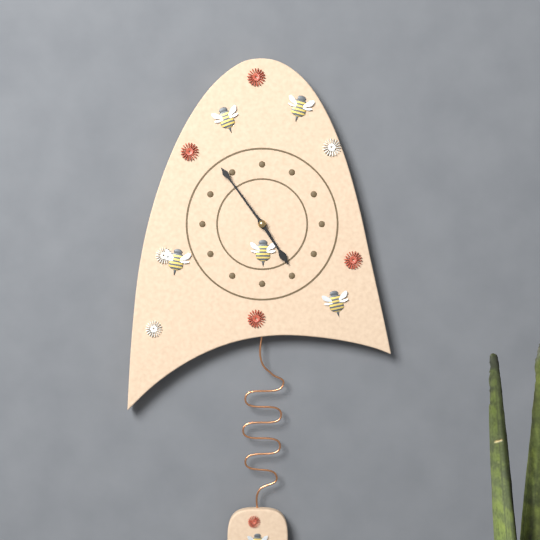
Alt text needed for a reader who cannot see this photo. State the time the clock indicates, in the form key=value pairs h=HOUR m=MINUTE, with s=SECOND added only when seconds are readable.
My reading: h=4 m=54
